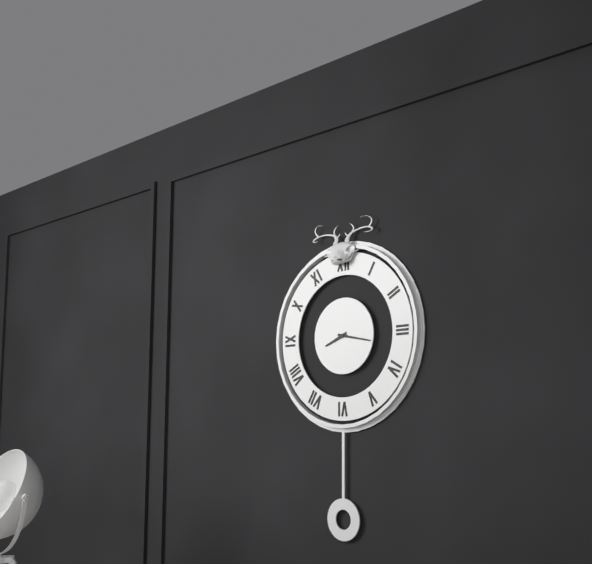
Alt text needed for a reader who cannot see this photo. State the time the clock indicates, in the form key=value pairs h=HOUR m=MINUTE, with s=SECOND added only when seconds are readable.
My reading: h=8 m=17
